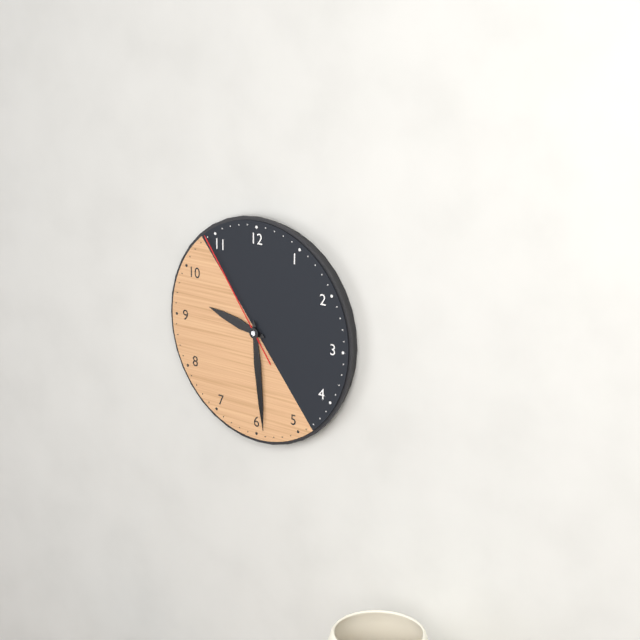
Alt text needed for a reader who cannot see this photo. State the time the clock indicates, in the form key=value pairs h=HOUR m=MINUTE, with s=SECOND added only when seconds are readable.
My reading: h=9 m=29 s=54
